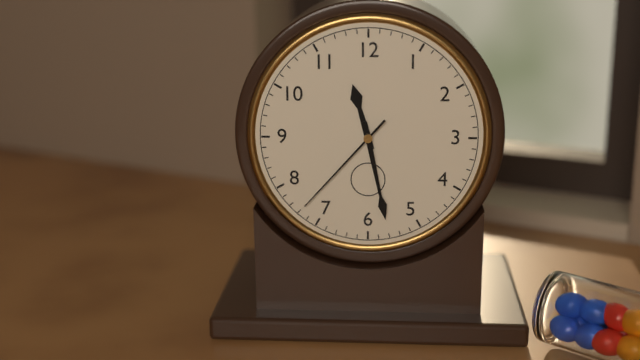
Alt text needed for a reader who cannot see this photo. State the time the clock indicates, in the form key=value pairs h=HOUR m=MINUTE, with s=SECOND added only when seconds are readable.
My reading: h=11 m=28 s=37
